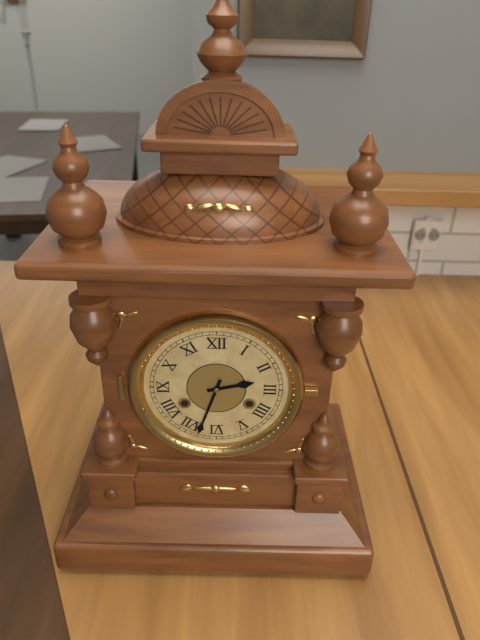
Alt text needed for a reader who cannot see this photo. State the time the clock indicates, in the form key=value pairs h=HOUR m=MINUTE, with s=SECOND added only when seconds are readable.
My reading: h=2 m=33
